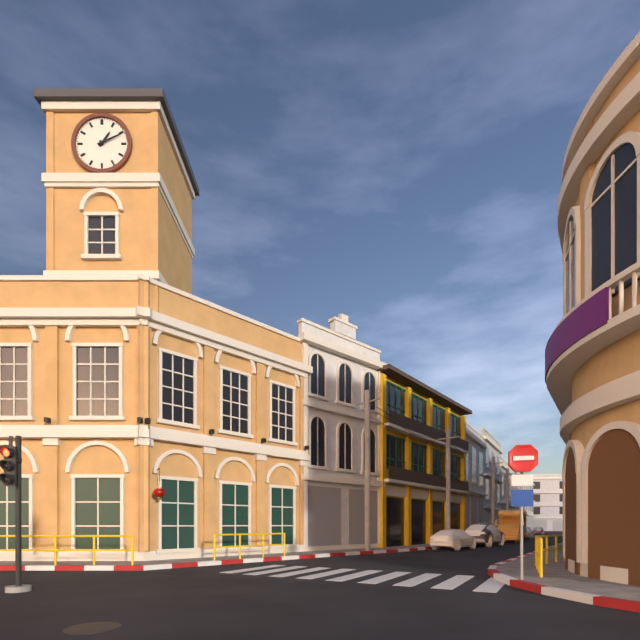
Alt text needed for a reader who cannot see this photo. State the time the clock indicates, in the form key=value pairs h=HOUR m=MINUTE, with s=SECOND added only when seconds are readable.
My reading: h=1 m=11
